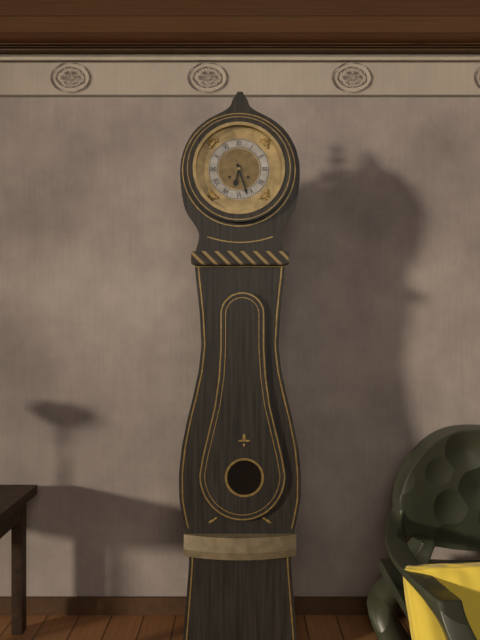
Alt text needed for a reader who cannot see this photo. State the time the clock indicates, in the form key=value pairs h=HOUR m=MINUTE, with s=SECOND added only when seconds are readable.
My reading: h=6 m=27
